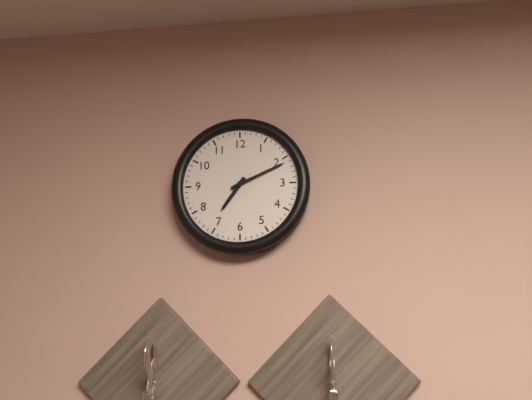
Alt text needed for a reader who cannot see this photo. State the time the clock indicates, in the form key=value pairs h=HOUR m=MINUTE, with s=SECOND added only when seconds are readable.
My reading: h=7 m=11
